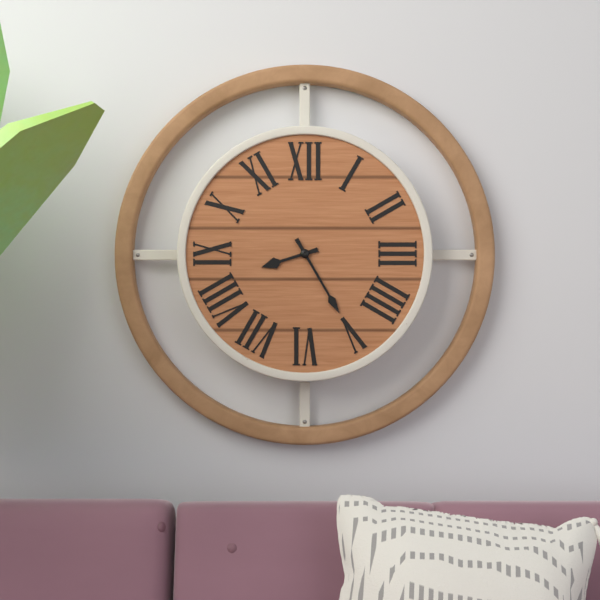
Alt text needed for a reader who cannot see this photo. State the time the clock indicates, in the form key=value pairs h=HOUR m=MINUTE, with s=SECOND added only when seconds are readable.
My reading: h=8 m=25
